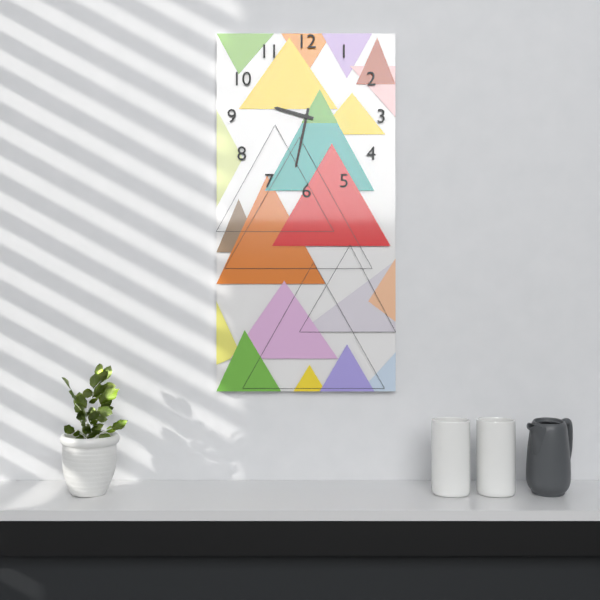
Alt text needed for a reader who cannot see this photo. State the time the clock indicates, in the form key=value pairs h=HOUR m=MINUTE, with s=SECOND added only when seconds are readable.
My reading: h=9 m=32
